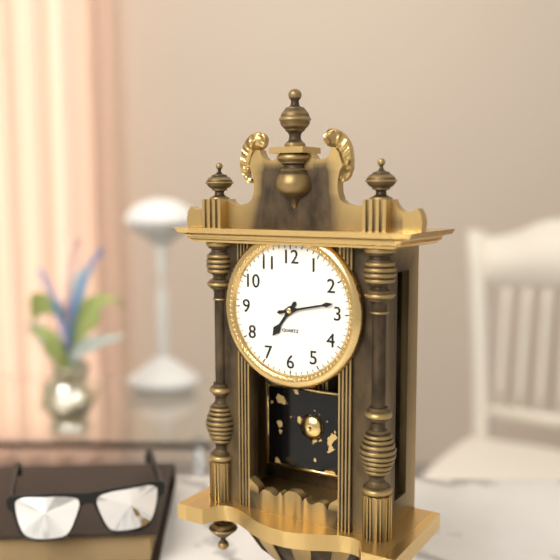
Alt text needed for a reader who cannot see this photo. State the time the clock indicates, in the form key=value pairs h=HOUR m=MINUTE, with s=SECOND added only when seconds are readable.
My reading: h=7 m=13
